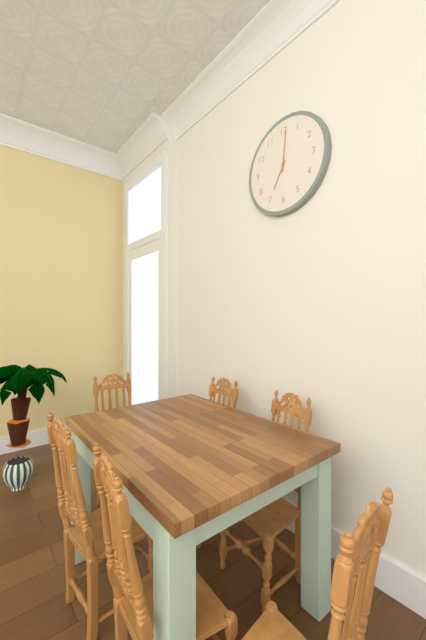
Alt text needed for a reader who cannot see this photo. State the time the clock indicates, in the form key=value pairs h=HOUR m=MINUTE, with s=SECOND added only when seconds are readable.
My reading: h=7 m=1
